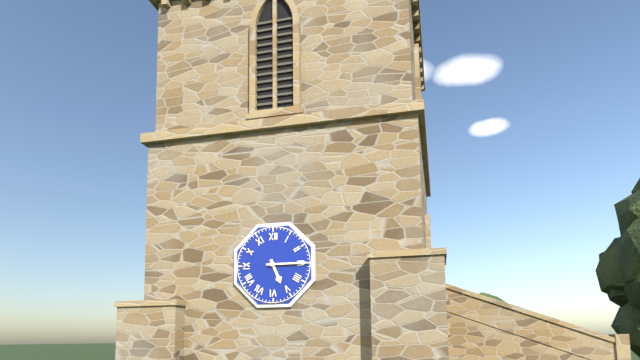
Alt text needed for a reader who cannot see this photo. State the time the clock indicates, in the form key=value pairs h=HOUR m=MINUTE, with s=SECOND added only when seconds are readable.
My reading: h=5 m=15
